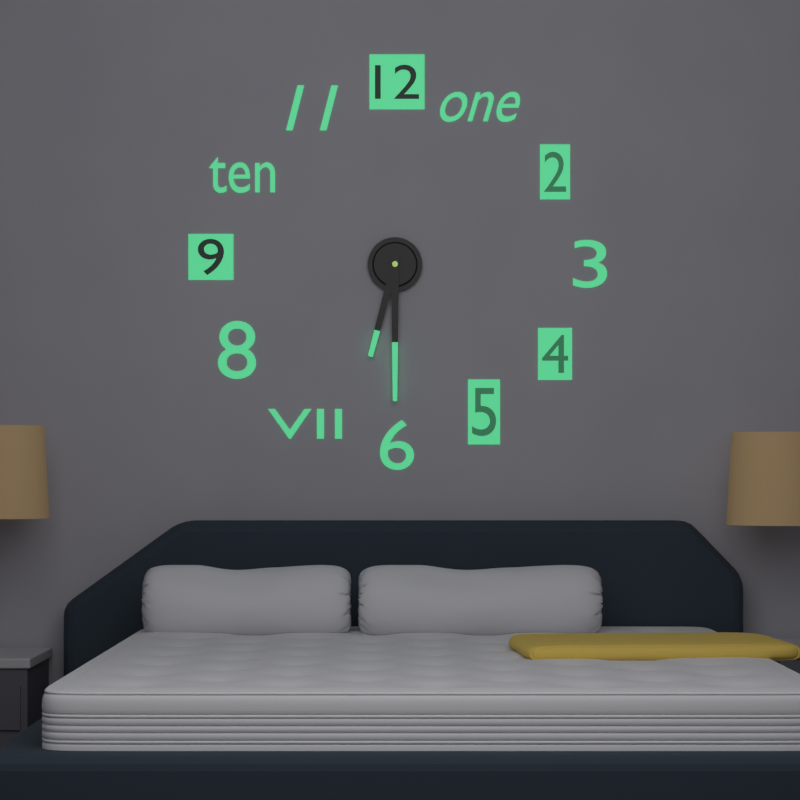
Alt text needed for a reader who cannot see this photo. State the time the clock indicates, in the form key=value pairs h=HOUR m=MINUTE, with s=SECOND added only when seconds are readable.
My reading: h=6 m=30
